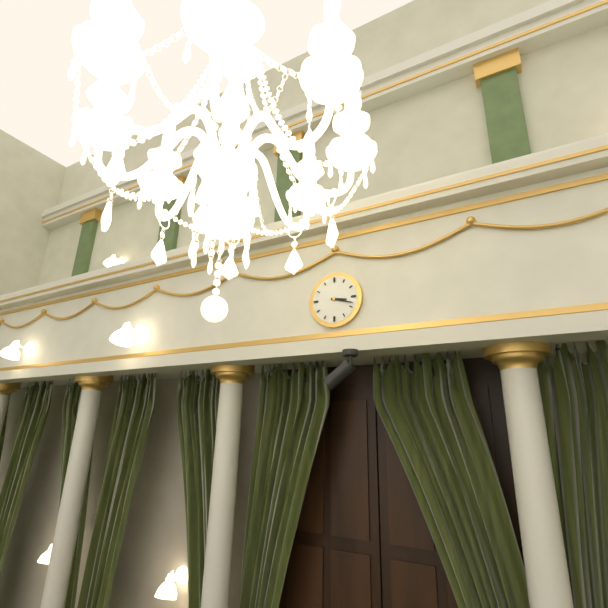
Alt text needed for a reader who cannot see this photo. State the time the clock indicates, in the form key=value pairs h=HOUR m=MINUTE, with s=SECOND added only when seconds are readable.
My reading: h=3 m=18
